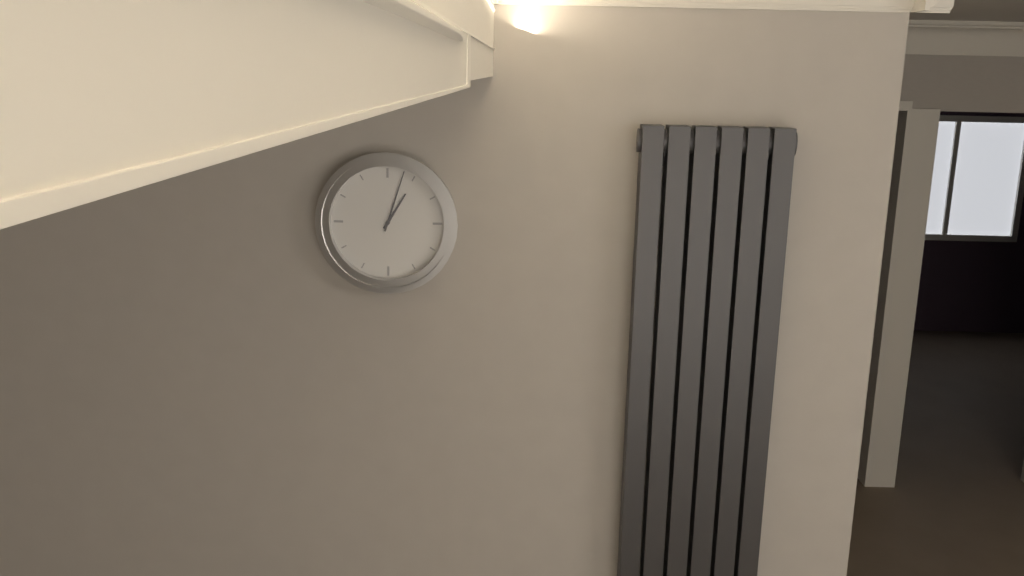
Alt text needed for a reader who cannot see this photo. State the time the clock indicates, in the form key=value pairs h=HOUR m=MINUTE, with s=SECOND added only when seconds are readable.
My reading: h=1 m=3
